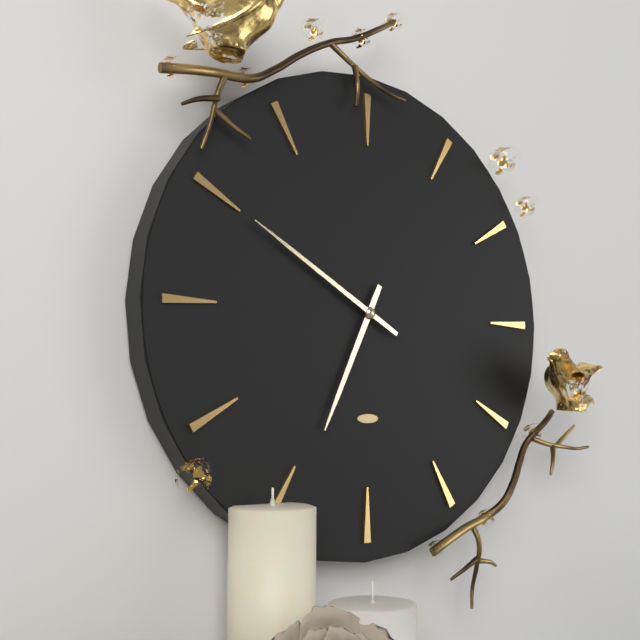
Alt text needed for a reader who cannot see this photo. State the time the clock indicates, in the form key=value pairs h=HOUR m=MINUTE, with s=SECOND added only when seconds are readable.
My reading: h=6 m=50
